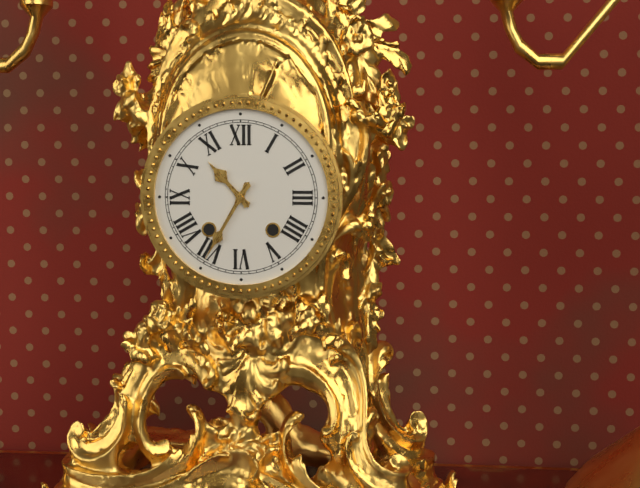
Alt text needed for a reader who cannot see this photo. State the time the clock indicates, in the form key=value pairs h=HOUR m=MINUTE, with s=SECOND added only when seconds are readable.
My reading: h=10 m=35
